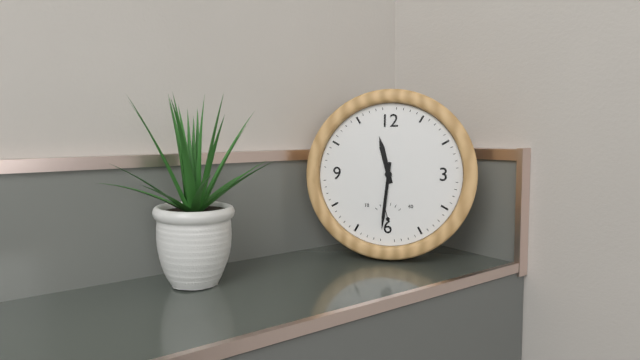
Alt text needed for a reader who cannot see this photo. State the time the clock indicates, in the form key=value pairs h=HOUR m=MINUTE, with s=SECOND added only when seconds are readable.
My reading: h=11 m=31
